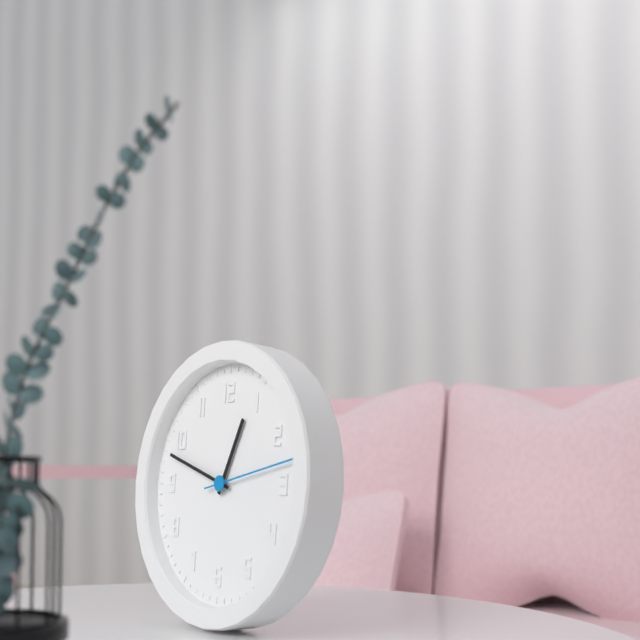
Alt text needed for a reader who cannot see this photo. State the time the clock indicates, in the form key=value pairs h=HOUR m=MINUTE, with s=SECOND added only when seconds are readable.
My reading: h=12 m=48 s=13
